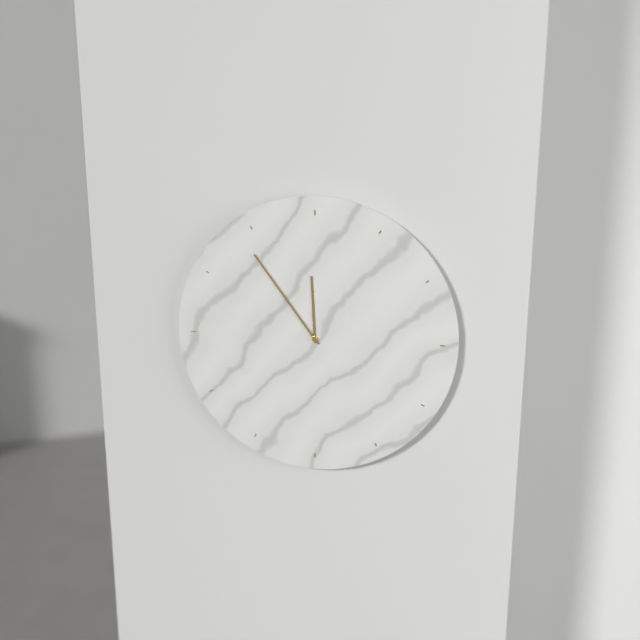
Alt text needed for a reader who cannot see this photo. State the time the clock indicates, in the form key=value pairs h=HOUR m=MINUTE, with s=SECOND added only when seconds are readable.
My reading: h=11 m=54
